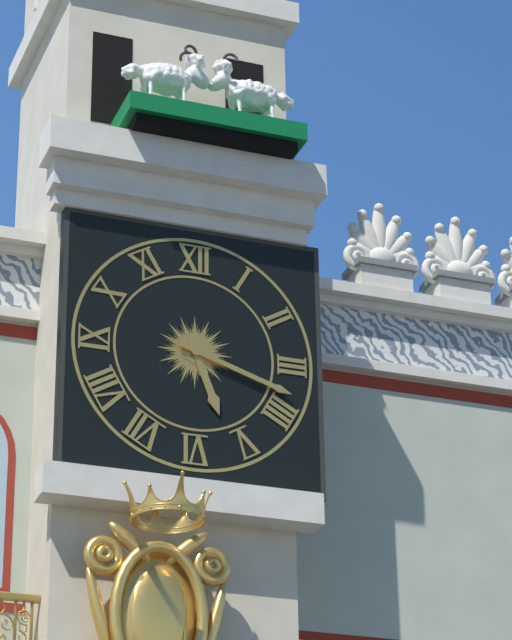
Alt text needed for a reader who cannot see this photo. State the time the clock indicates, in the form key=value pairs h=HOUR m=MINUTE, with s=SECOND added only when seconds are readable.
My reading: h=5 m=18
